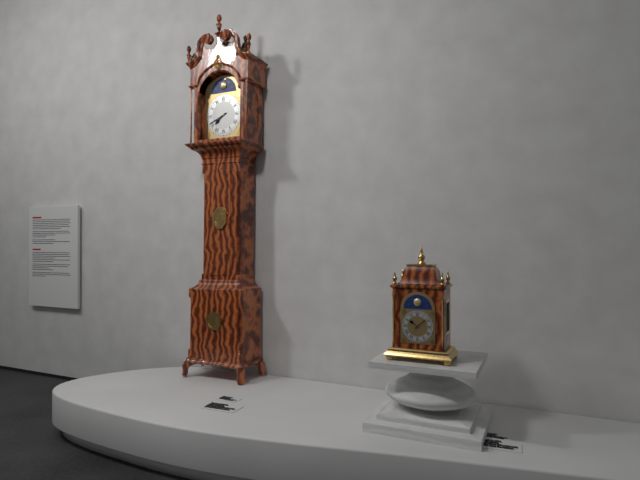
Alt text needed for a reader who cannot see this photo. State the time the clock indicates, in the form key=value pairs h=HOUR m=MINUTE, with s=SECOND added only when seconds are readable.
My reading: h=7 m=41
